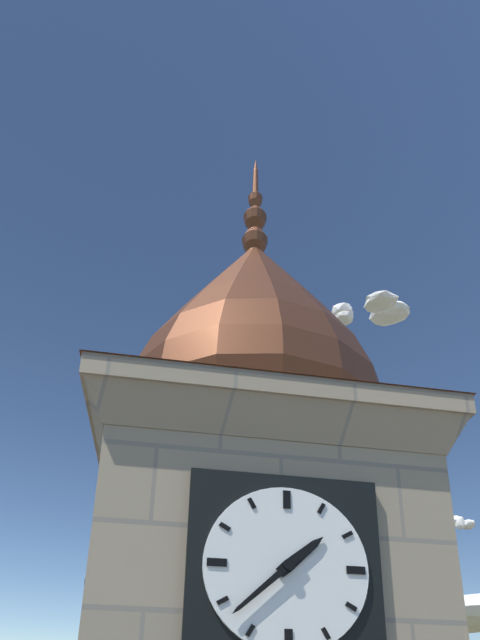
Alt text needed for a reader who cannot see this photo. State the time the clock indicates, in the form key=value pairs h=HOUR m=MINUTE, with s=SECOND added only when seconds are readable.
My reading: h=1 m=38
